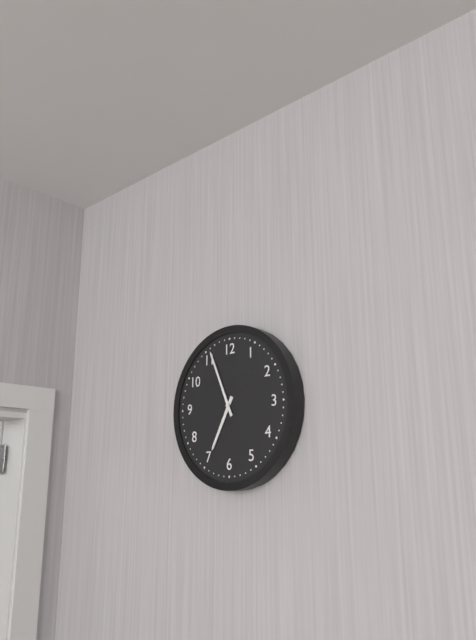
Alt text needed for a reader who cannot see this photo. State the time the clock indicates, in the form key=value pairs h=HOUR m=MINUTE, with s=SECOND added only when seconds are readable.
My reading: h=6 m=56
